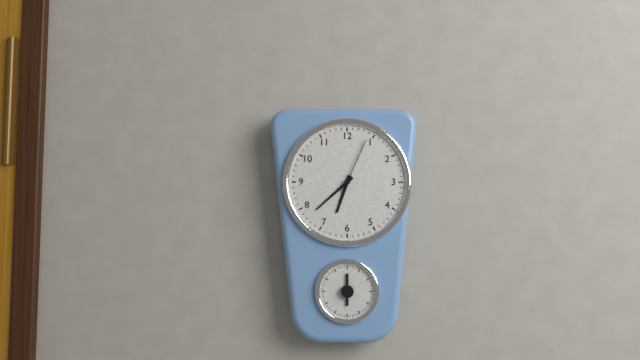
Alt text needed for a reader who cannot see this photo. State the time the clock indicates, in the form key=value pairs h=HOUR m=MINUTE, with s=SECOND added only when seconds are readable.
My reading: h=6 m=38 s=4
